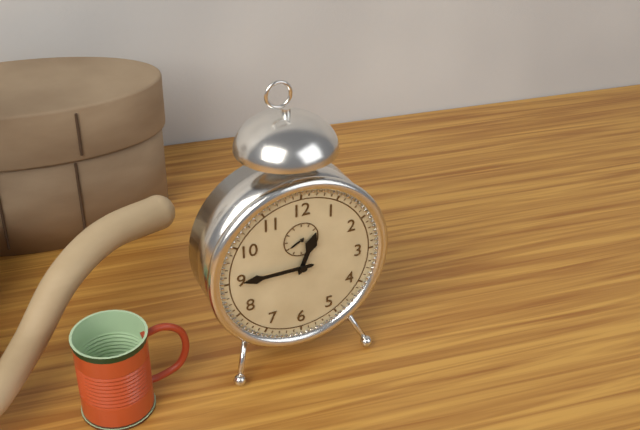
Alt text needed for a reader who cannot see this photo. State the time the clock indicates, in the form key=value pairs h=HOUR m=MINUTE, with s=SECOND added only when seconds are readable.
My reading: h=12 m=45
